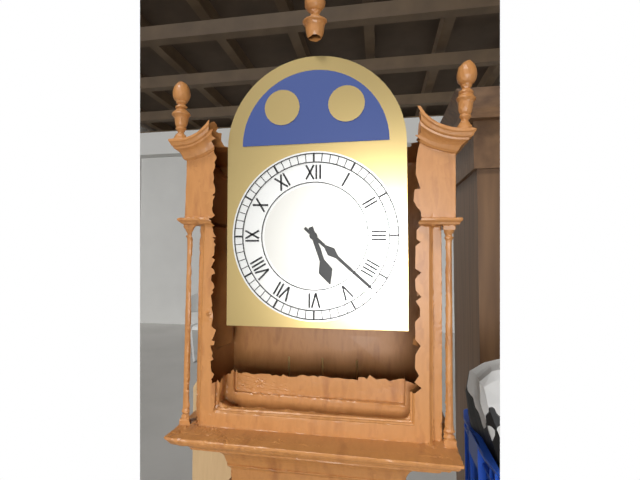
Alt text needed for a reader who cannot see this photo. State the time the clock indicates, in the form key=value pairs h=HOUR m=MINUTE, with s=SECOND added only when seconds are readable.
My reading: h=5 m=22
